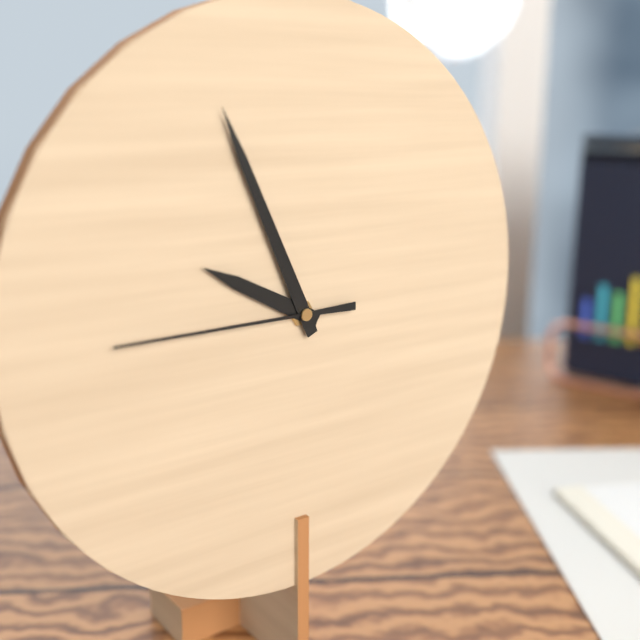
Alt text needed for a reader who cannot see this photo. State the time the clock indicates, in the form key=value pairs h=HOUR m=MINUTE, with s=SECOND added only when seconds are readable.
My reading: h=9 m=56 s=45
